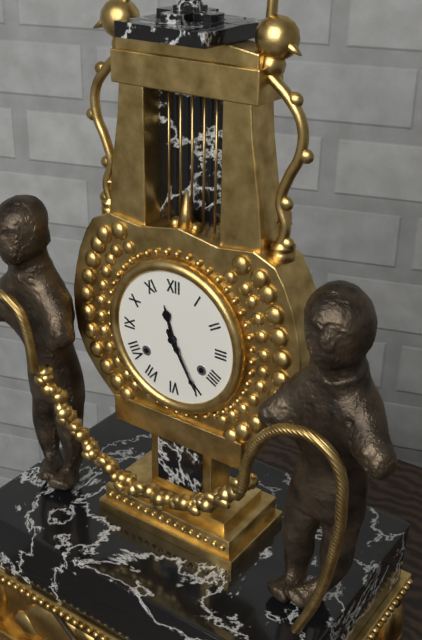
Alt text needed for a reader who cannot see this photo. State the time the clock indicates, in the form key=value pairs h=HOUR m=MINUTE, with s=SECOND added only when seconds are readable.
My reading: h=11 m=25
